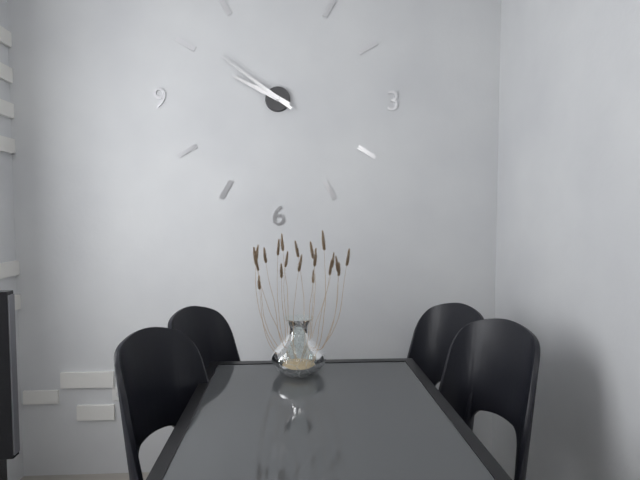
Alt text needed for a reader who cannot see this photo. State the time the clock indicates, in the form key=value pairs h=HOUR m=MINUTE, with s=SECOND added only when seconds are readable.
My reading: h=9 m=51
